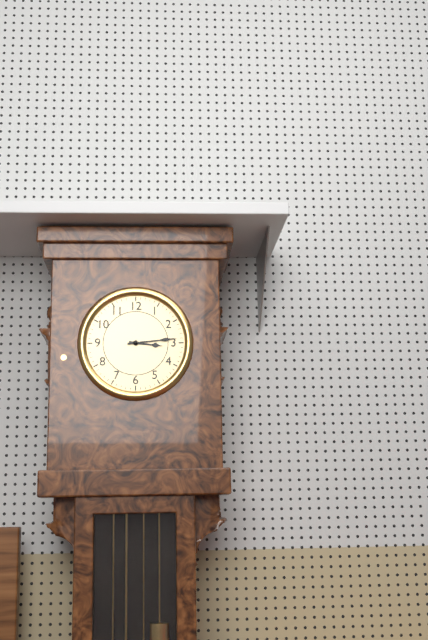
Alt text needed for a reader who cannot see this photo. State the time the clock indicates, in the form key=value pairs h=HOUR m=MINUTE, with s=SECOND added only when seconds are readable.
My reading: h=3 m=14
